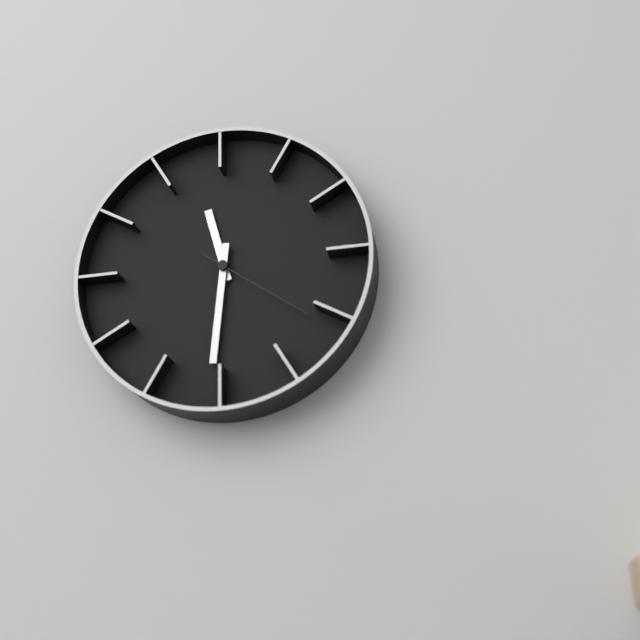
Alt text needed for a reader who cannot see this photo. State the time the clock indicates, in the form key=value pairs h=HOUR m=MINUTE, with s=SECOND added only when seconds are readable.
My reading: h=11 m=31 s=21
